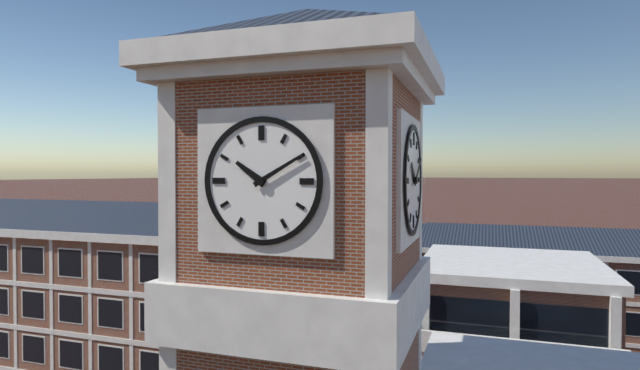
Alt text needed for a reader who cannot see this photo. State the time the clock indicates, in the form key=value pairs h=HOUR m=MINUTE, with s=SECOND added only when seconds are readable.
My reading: h=10 m=10
